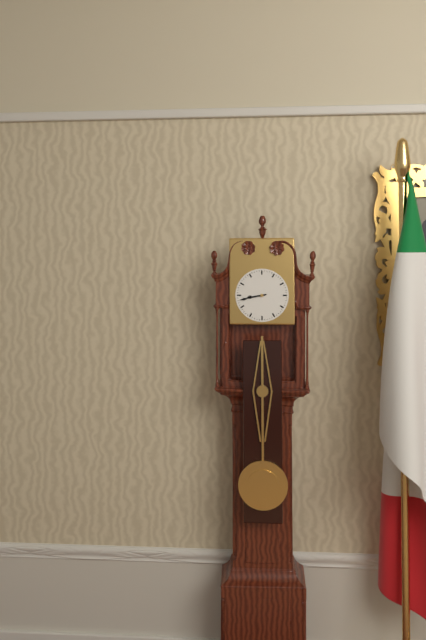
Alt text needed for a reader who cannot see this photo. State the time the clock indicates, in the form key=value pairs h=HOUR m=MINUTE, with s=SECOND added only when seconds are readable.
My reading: h=8 m=43
